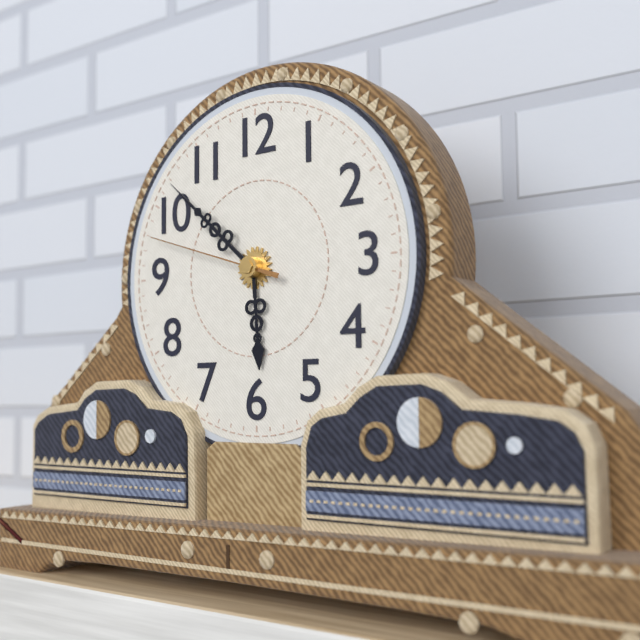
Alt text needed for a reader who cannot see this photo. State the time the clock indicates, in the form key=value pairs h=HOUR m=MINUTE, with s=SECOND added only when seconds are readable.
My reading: h=5 m=52 s=48
